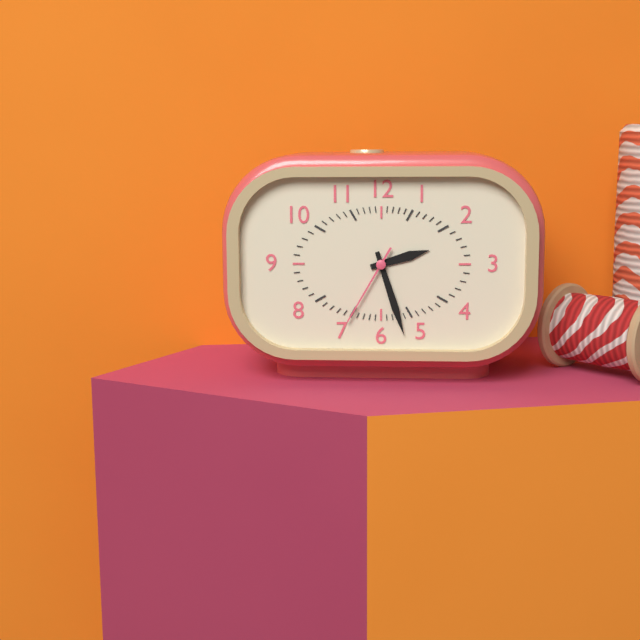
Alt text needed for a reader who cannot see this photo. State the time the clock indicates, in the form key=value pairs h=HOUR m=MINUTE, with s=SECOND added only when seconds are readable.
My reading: h=2 m=27 s=35
